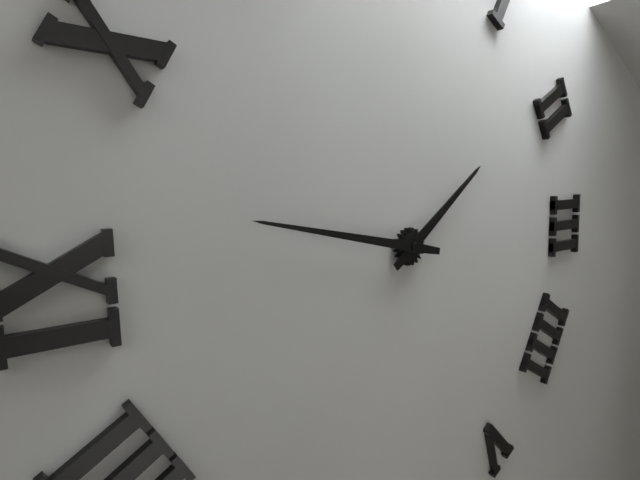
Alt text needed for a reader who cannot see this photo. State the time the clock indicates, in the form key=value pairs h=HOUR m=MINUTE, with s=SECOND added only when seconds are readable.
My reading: h=1 m=47
